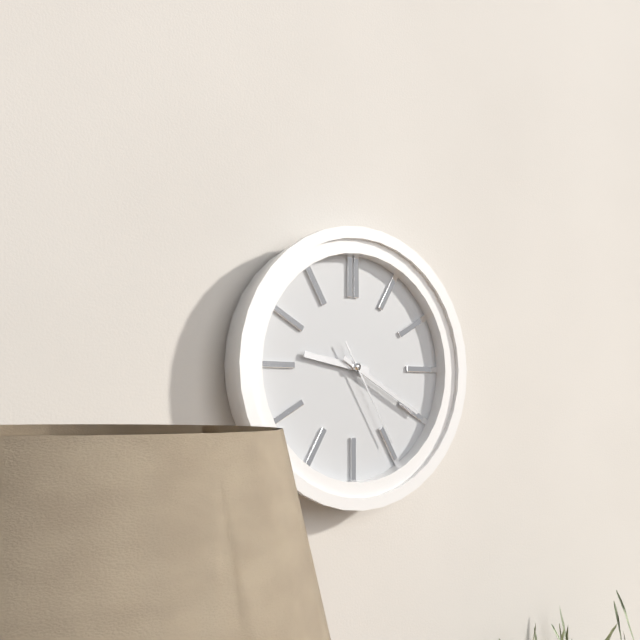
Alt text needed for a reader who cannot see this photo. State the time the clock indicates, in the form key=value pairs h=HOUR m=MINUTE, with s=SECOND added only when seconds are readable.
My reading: h=9 m=20 s=25
